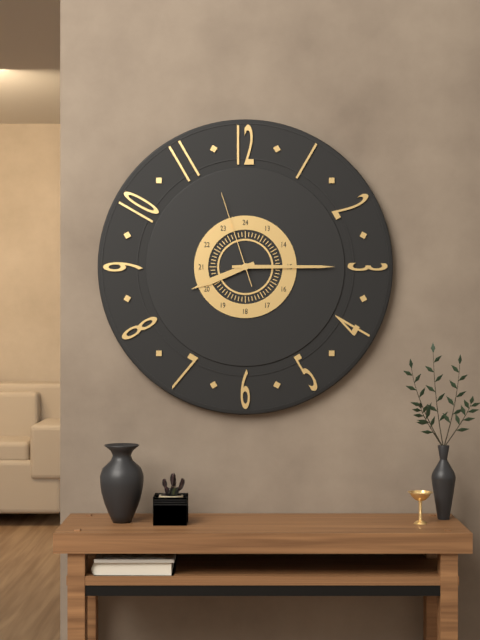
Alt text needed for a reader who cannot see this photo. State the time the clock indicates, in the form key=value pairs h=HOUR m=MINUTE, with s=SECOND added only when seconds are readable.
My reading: h=8 m=15 s=57
